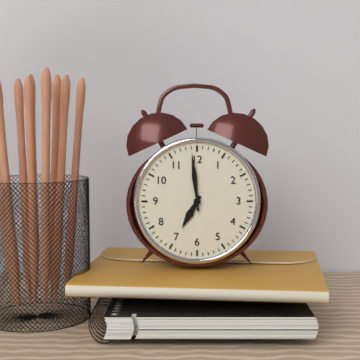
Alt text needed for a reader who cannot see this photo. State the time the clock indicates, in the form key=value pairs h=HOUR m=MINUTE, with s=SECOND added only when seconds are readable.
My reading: h=6 m=59
